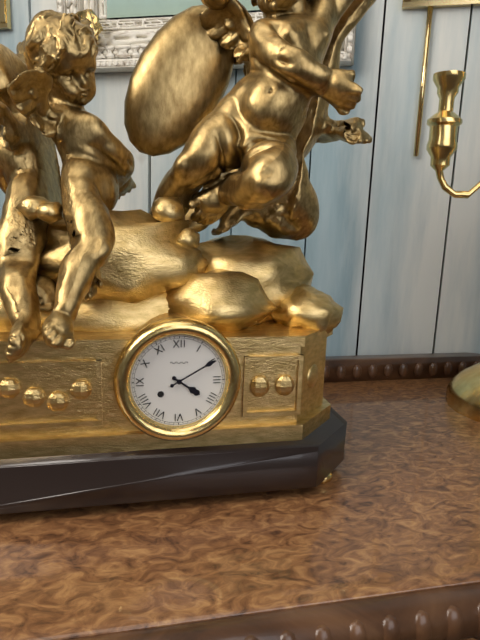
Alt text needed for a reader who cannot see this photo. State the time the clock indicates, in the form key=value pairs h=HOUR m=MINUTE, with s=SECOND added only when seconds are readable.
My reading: h=4 m=10
